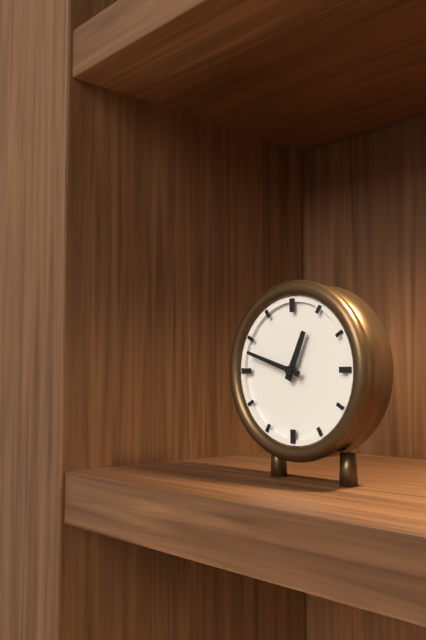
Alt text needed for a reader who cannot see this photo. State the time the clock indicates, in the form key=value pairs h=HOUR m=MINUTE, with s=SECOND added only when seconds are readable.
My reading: h=12 m=48
